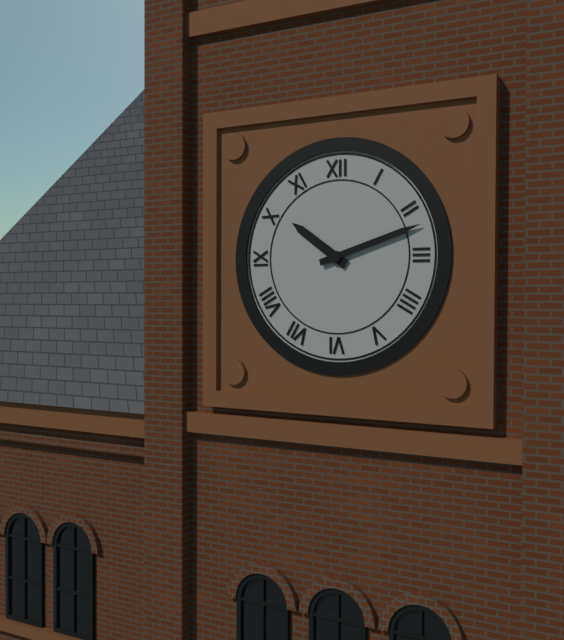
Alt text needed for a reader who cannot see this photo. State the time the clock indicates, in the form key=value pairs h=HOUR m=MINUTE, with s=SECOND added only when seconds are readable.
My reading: h=10 m=12
